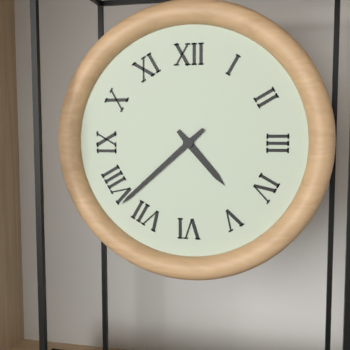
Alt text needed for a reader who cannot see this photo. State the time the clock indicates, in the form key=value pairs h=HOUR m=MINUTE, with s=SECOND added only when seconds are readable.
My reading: h=4 m=38
